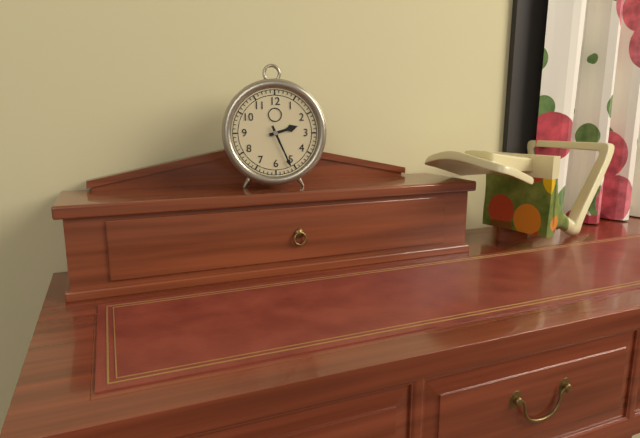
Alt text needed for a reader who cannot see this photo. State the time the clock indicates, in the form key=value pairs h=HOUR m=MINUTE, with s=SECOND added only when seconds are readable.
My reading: h=2 m=26
